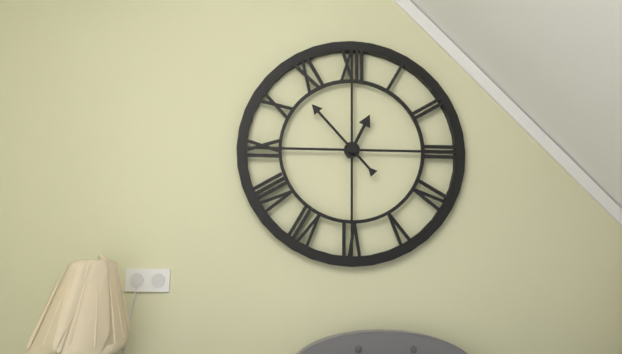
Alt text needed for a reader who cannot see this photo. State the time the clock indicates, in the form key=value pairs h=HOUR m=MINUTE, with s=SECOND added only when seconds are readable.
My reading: h=12 m=53
